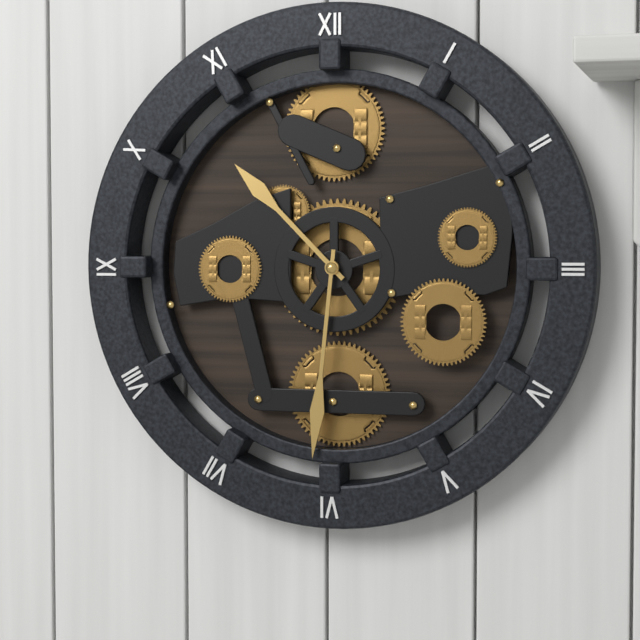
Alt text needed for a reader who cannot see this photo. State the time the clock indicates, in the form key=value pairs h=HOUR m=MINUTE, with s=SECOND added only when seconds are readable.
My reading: h=10 m=31
